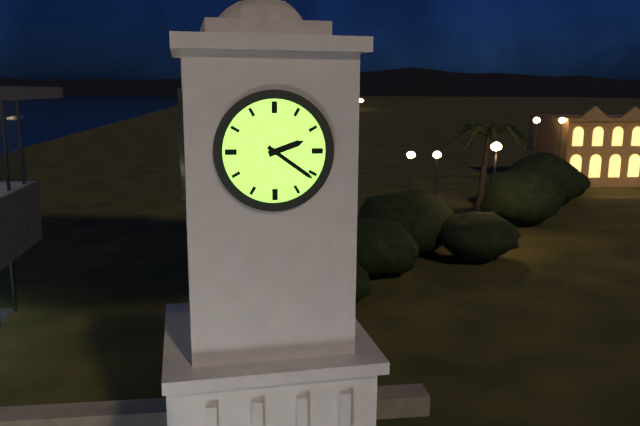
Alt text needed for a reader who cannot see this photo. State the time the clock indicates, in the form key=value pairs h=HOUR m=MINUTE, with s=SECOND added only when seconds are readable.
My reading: h=2 m=21
